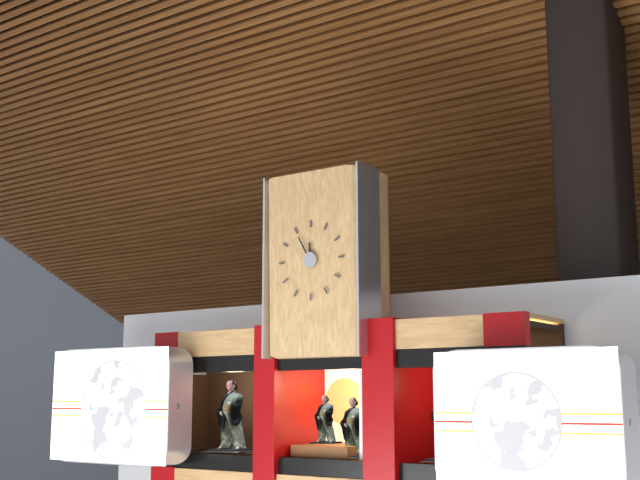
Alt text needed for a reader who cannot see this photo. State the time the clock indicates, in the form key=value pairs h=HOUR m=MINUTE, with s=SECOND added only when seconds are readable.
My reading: h=11 m=55
